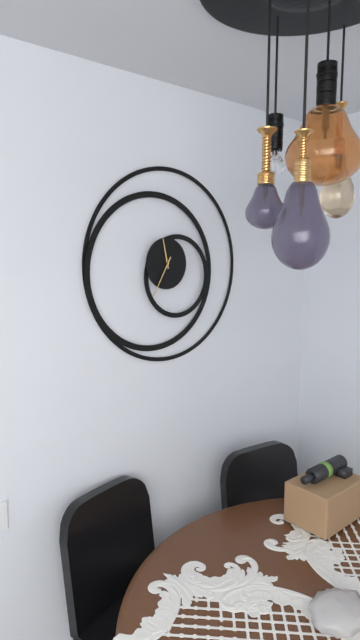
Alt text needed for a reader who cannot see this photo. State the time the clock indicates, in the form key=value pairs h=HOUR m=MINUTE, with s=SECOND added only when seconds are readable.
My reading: h=11 m=35
